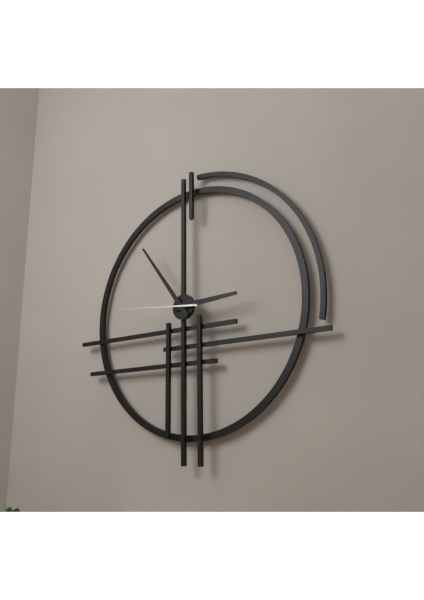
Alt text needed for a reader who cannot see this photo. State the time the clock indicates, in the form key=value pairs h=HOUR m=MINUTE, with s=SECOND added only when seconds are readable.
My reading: h=2 m=54 s=46
